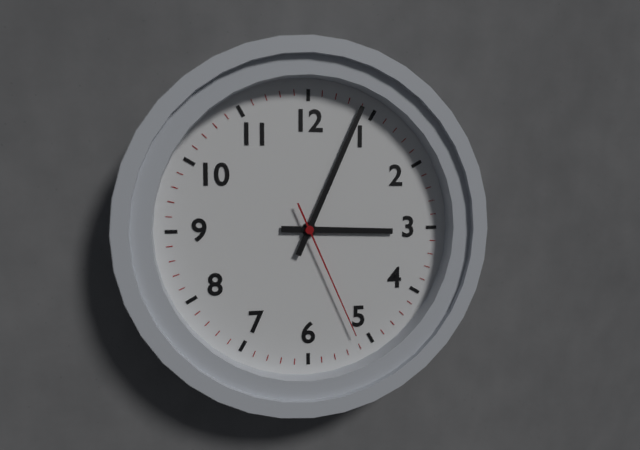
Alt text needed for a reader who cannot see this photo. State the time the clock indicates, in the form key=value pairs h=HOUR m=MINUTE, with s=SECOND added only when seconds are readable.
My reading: h=3 m=4 s=26
